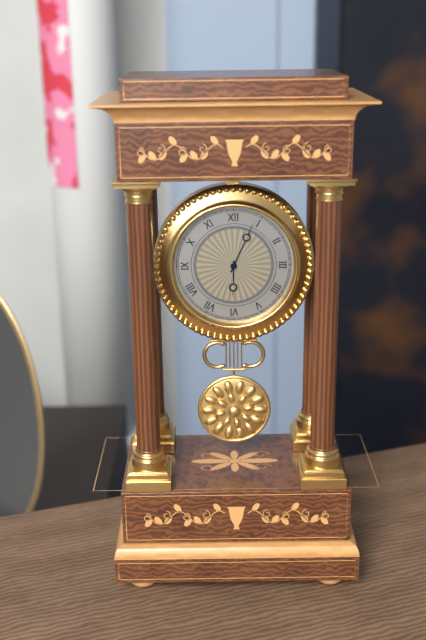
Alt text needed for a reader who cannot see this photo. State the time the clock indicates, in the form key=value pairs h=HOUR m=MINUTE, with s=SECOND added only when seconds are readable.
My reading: h=6 m=4
